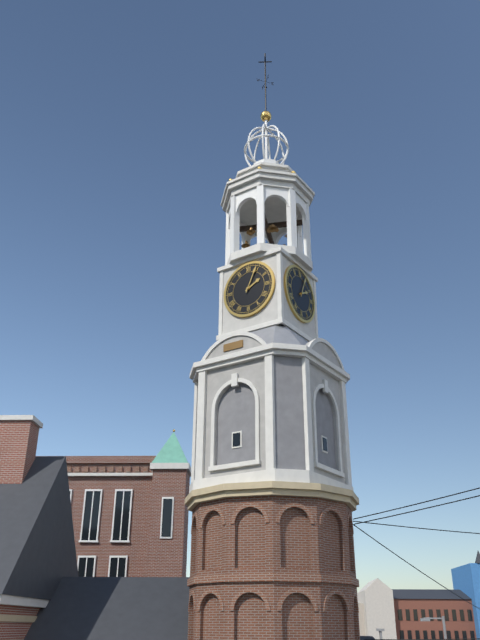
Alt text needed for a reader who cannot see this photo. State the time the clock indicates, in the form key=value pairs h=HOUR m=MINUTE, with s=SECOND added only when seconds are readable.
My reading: h=2 m=4
